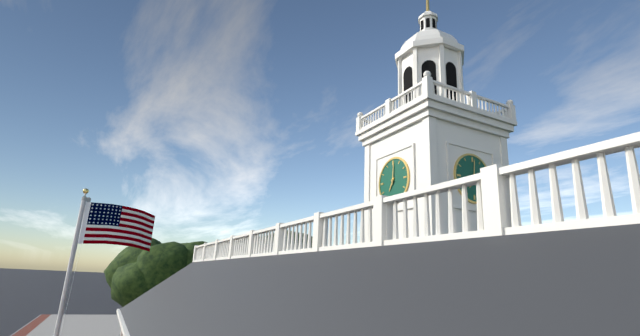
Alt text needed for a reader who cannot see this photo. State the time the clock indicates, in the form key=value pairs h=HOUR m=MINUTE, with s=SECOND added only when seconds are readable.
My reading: h=7 m=1
